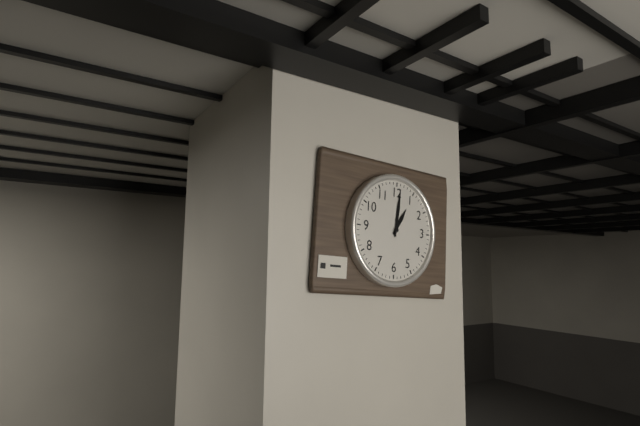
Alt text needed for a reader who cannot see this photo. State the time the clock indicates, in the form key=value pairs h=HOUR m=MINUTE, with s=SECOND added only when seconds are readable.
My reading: h=1 m=1
